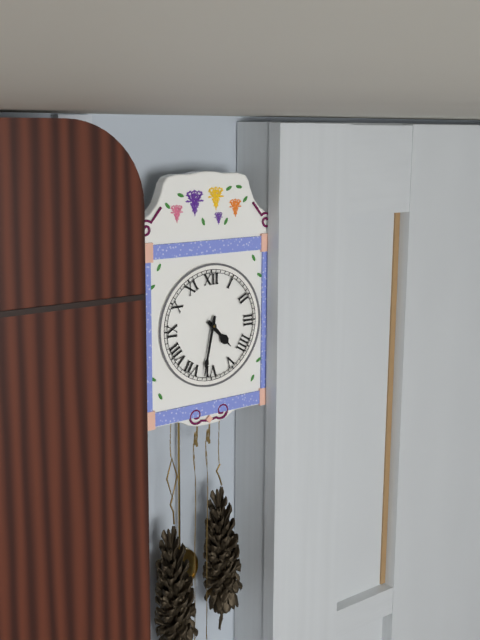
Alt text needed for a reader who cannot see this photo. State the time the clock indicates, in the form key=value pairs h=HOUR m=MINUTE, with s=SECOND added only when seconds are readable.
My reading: h=4 m=32
